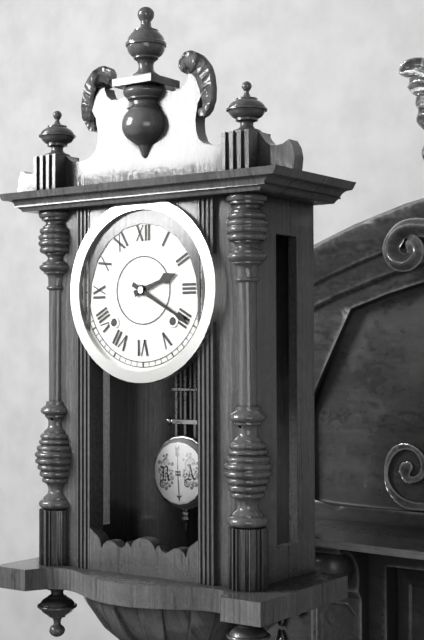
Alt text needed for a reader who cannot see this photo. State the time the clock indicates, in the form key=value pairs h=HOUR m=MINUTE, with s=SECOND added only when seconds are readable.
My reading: h=2 m=20
